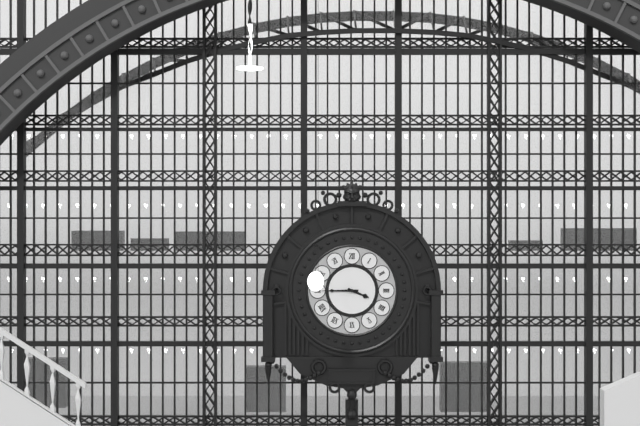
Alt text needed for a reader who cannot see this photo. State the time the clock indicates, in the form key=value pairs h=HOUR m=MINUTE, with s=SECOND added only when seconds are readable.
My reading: h=3 m=45
